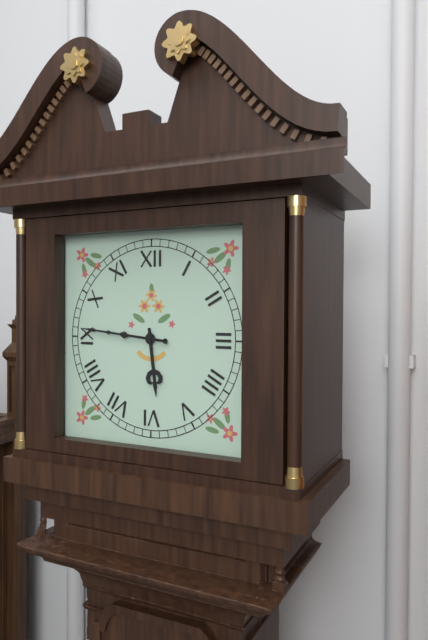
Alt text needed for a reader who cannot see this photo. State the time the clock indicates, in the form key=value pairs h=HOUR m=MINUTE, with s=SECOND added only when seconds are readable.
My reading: h=5 m=46
